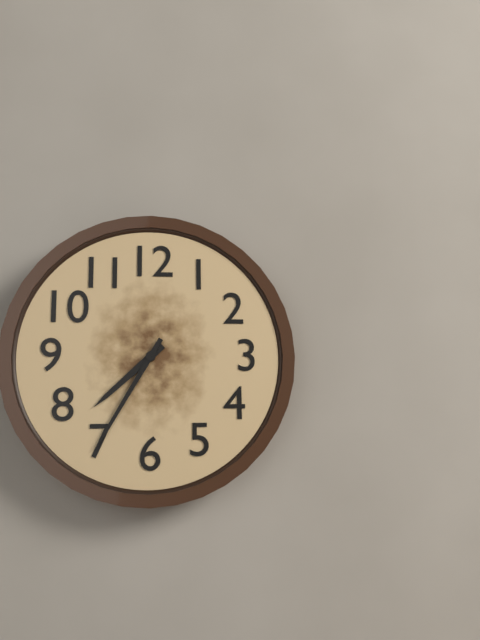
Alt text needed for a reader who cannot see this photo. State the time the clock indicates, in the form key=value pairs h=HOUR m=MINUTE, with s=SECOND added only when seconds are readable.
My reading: h=7 m=35
